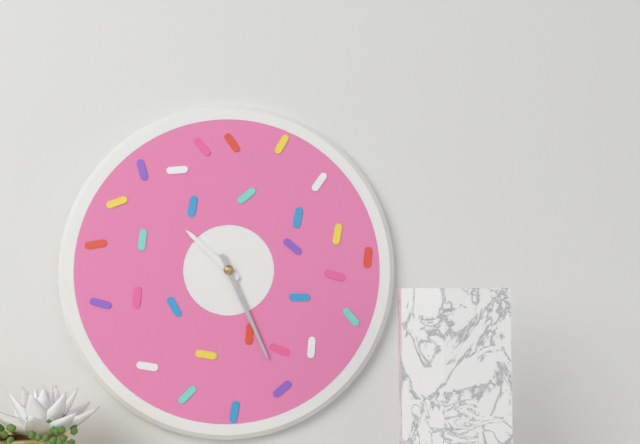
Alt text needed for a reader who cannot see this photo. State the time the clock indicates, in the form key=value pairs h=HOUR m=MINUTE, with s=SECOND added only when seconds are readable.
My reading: h=10 m=26
